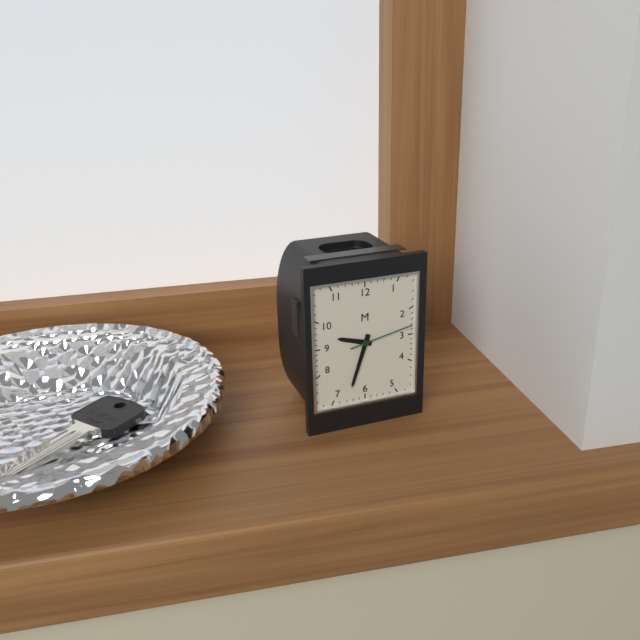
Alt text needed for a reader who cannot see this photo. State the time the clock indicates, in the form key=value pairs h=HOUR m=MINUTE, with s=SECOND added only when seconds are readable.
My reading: h=9 m=33 s=13
